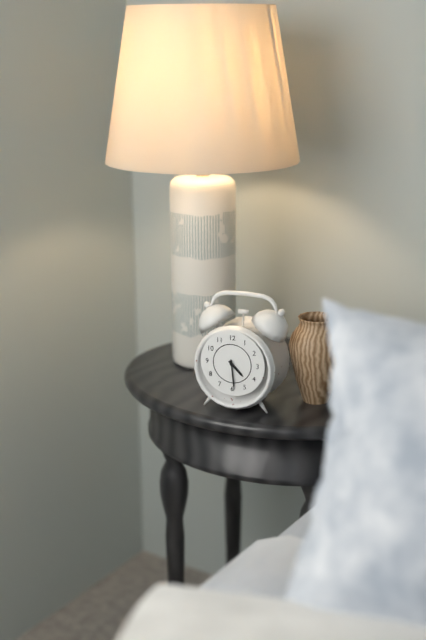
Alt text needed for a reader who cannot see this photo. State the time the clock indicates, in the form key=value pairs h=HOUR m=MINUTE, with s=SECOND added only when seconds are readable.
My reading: h=4 m=29
